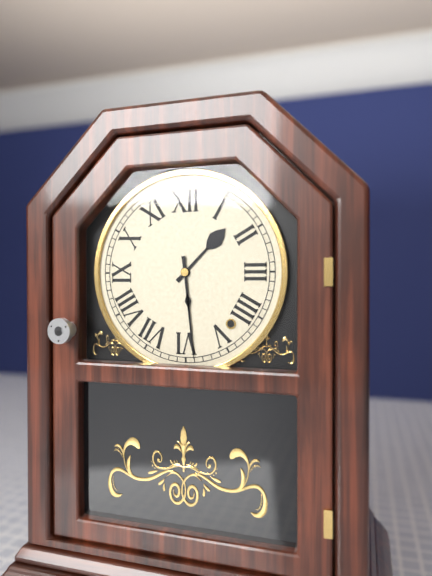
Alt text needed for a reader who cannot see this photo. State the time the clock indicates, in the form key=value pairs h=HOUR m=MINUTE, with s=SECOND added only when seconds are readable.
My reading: h=1 m=29
